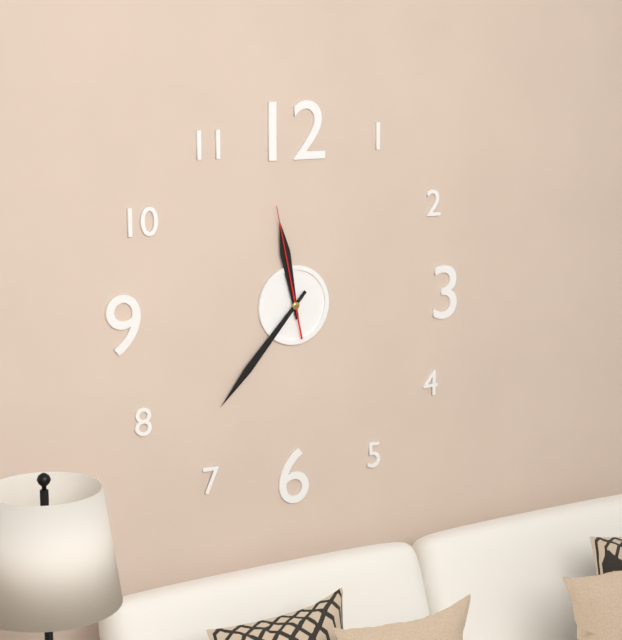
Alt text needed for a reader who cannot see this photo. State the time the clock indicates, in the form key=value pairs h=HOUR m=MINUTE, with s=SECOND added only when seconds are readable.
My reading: h=11 m=37 s=58
